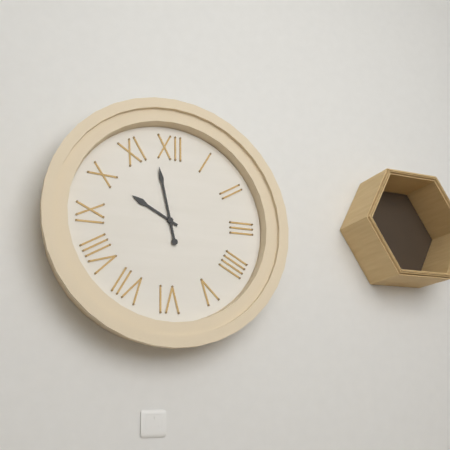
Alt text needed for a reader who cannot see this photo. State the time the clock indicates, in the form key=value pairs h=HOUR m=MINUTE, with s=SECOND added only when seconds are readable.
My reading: h=9 m=58
